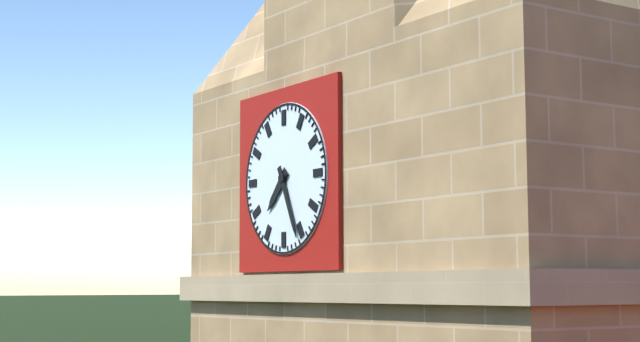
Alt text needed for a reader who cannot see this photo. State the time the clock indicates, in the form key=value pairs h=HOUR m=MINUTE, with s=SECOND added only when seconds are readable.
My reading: h=7 m=26
